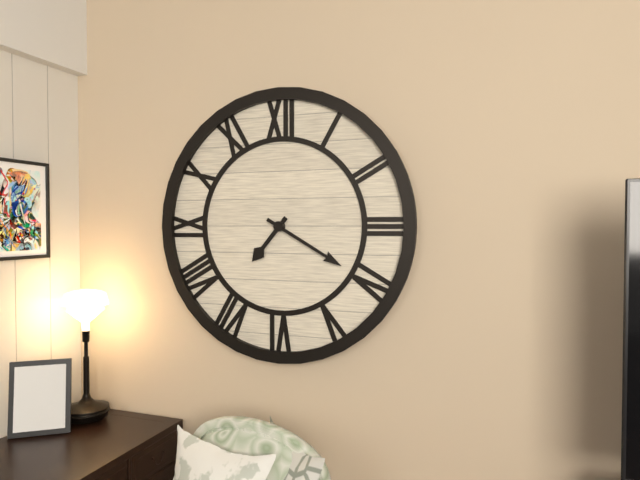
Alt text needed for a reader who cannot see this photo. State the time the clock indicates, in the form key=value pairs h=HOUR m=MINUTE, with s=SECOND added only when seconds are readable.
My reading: h=7 m=20
